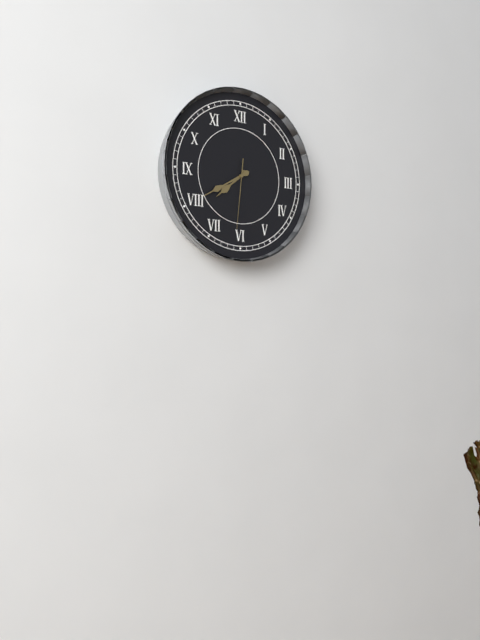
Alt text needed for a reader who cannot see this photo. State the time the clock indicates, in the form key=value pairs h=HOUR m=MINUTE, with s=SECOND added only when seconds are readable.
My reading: h=7 m=40 s=31
